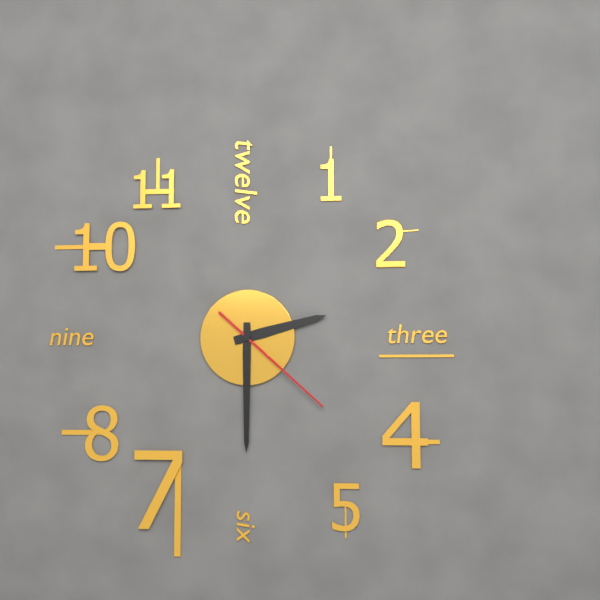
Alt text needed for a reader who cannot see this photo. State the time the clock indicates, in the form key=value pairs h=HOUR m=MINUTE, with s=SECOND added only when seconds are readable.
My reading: h=2 m=30 s=22
